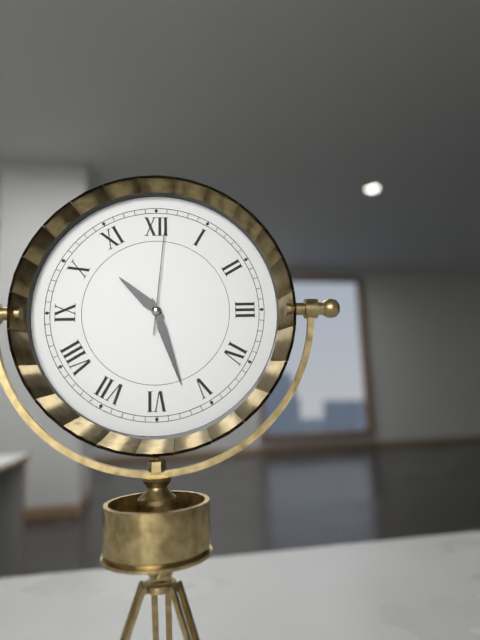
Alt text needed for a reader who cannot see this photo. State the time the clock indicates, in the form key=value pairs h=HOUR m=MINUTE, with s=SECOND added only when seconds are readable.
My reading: h=10 m=27 s=1
